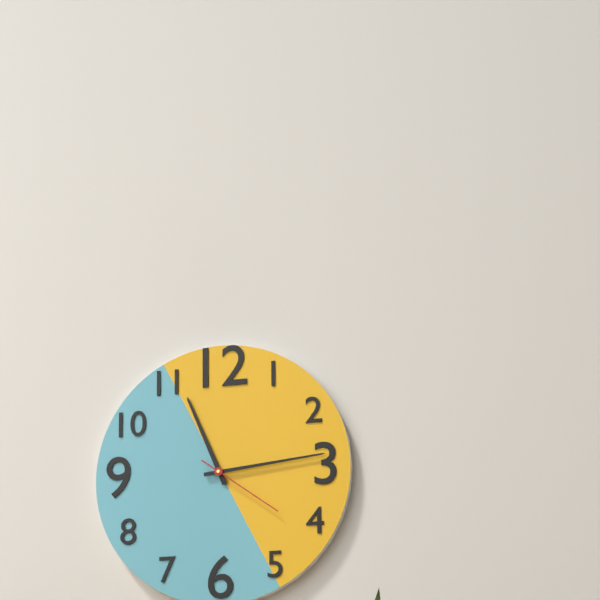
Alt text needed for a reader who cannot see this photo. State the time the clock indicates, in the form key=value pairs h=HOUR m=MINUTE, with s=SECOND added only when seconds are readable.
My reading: h=11 m=14 s=21
